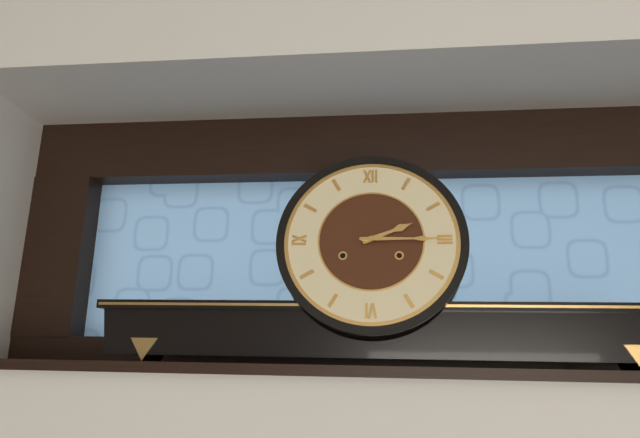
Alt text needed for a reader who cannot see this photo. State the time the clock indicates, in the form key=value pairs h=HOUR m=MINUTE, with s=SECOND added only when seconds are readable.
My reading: h=2 m=15
